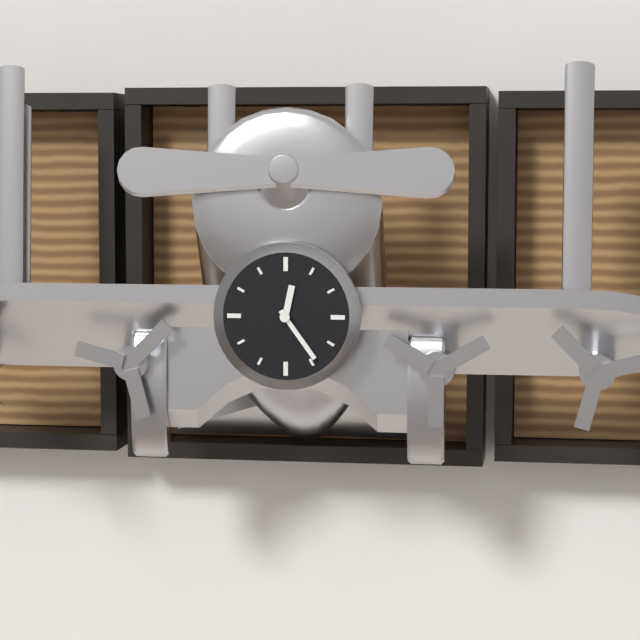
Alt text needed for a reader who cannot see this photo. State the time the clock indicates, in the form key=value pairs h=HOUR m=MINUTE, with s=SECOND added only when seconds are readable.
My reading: h=12 m=24
